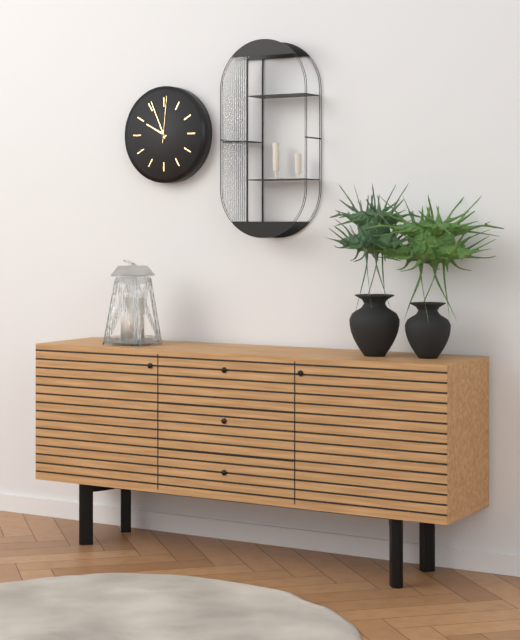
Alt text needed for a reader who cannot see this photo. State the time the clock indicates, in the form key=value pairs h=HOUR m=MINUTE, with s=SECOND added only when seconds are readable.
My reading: h=9 m=56
